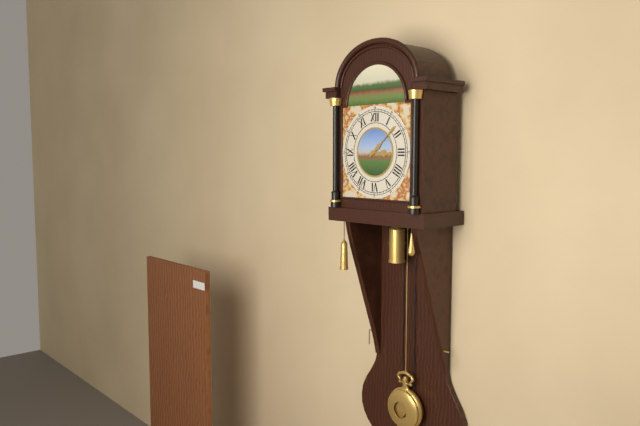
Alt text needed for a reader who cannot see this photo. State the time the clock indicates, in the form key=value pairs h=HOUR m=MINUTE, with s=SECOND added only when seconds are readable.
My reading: h=3 m=8
